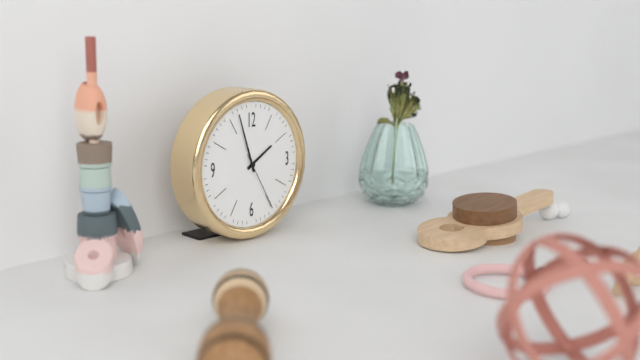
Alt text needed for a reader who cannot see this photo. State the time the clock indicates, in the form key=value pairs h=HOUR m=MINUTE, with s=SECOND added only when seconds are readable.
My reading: h=1 m=57 s=25
